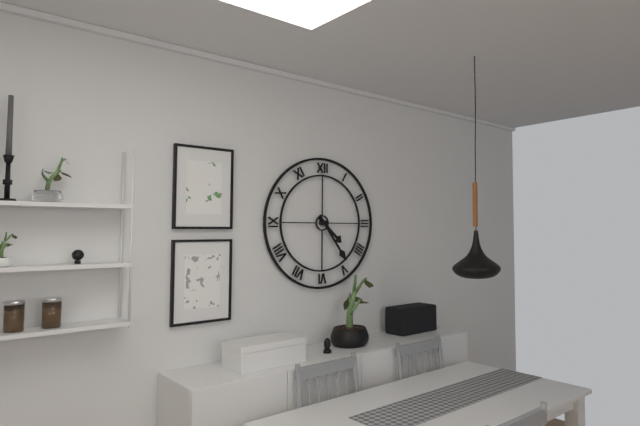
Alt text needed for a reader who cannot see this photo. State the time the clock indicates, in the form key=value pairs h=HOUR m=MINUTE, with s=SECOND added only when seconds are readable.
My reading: h=4 m=24
